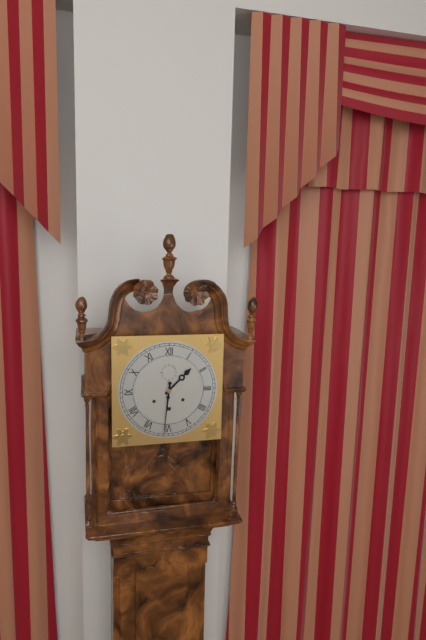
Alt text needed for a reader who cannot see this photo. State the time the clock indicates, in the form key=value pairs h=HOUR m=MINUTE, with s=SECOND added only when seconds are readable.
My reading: h=1 m=31
